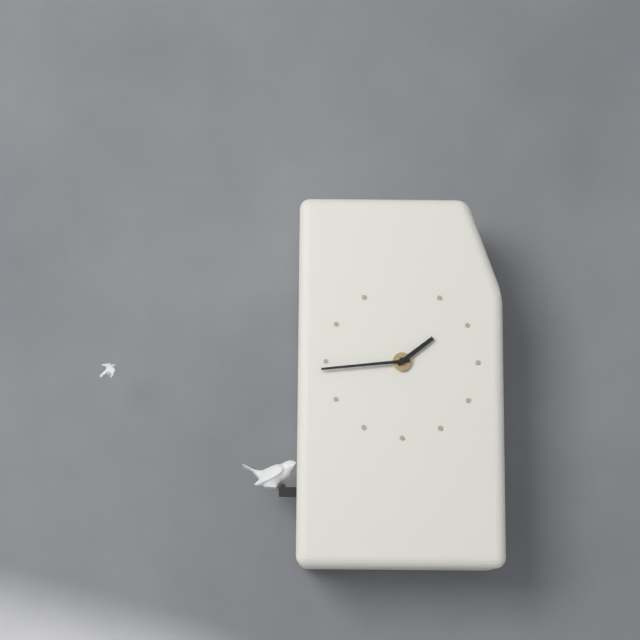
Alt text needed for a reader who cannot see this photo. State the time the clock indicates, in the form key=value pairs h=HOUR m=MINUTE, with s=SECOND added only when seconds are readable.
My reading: h=1 m=44
